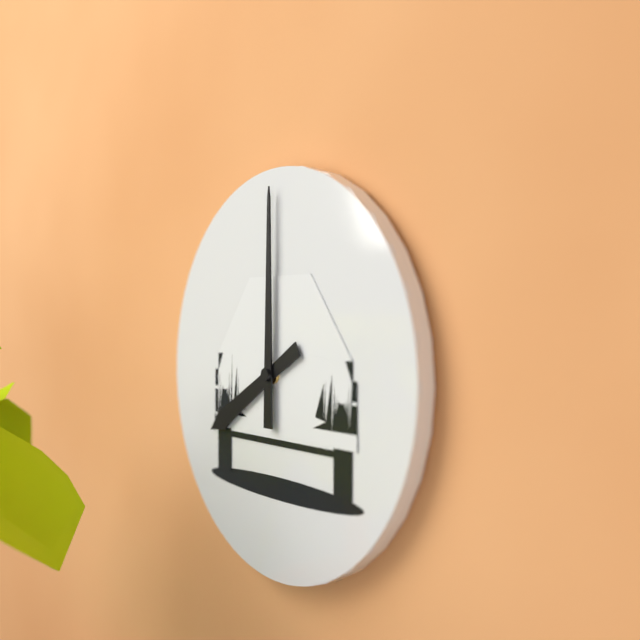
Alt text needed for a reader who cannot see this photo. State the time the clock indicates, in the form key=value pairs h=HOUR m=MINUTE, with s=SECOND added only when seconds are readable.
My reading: h=8 m=0
